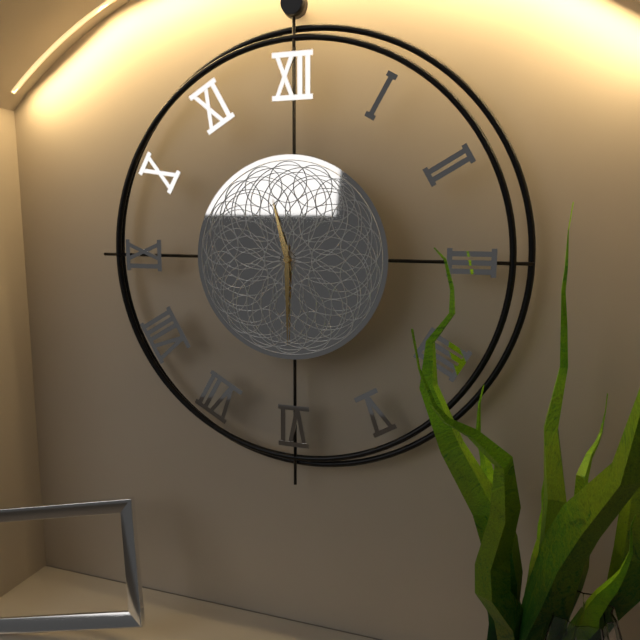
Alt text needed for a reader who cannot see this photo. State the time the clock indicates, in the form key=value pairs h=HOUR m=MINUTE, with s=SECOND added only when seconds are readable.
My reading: h=11 m=30
